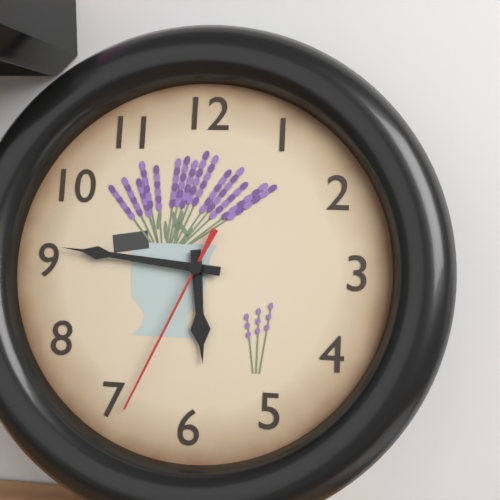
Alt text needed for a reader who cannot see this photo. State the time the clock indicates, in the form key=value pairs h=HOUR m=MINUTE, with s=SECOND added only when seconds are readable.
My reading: h=5 m=46 s=34
